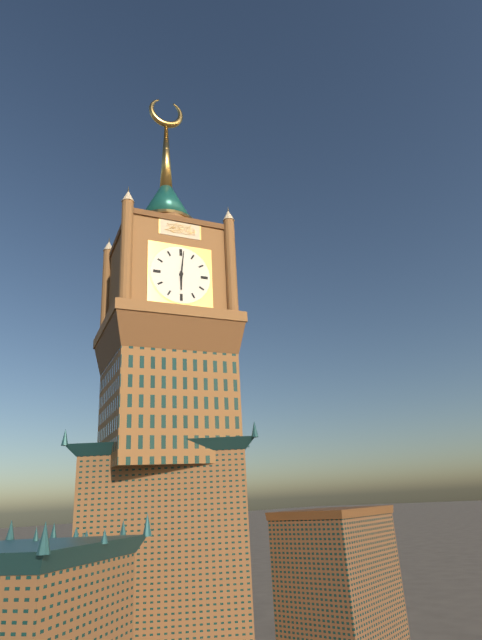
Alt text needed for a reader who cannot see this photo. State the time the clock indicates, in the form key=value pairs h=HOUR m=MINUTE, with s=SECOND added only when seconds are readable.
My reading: h=6 m=1
